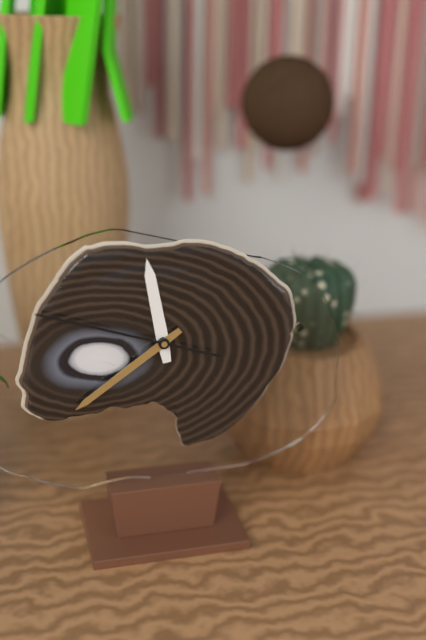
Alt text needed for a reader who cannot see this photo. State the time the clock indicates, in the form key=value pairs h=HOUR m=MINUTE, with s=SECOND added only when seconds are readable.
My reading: h=11 m=39 s=48
